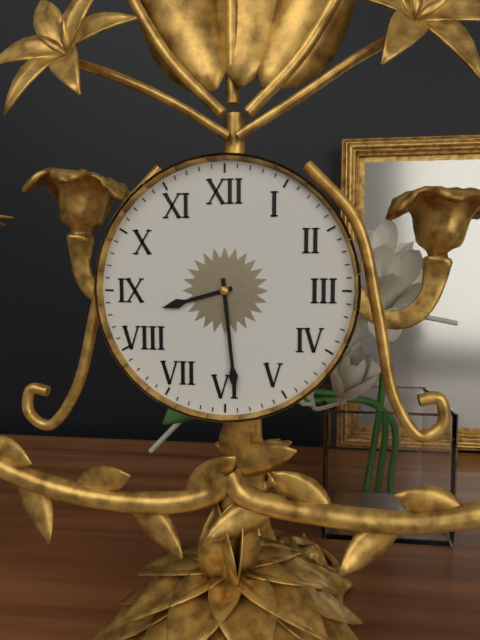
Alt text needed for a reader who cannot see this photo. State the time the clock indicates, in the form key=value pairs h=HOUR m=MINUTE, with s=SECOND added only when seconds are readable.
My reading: h=8 m=29
